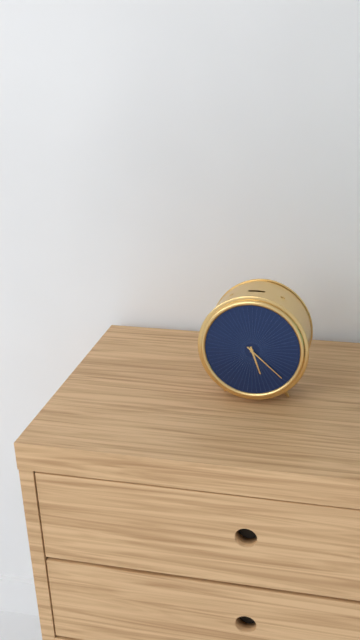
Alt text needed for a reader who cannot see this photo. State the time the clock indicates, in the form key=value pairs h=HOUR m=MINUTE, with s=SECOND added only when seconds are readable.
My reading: h=5 m=22
